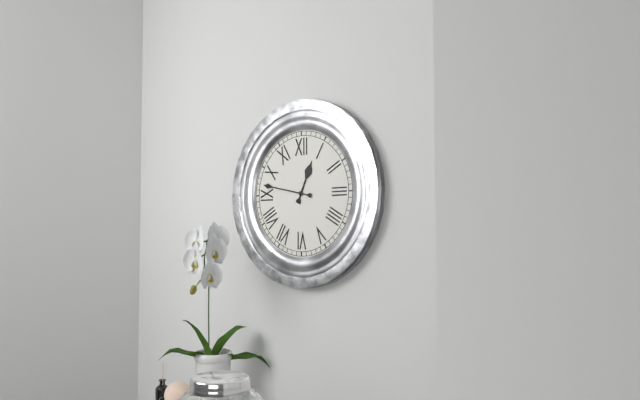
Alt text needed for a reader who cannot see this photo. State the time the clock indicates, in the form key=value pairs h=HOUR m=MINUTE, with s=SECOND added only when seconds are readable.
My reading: h=12 m=47
